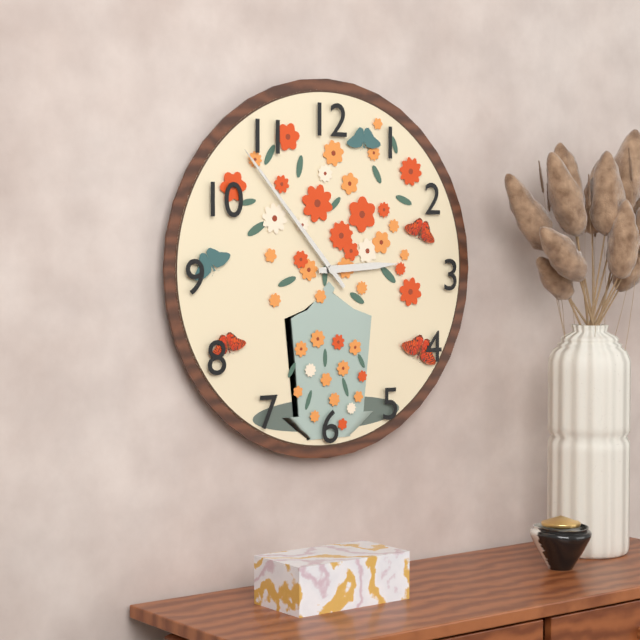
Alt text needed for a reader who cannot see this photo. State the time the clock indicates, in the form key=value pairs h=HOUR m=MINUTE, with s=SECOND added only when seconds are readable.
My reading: h=2 m=53
